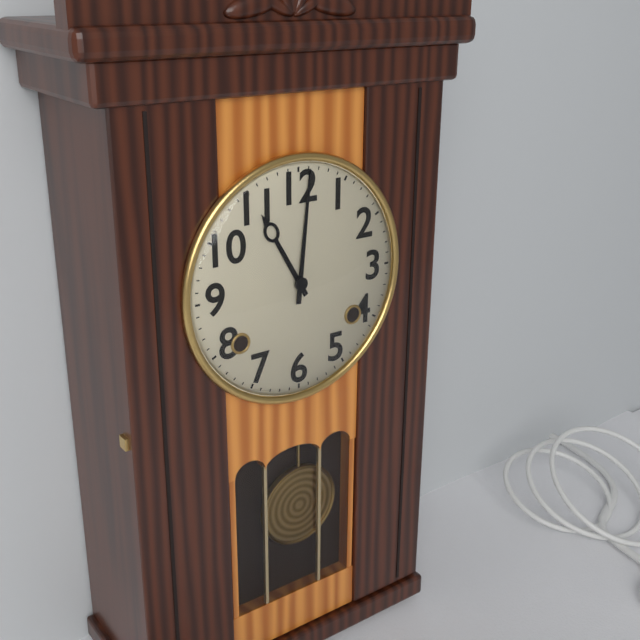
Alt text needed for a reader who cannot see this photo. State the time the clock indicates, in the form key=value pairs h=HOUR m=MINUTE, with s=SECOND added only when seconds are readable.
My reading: h=11 m=1
